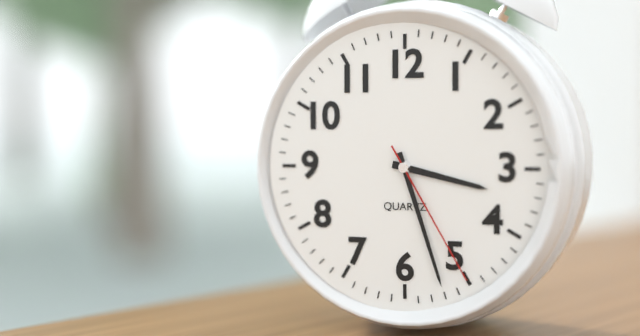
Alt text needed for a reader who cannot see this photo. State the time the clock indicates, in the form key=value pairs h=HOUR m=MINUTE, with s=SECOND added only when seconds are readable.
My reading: h=3 m=27 s=25
